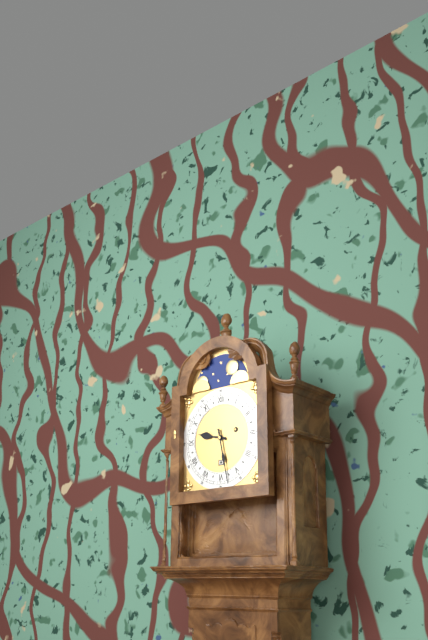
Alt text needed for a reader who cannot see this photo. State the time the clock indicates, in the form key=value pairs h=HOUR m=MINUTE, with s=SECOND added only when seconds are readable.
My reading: h=9 m=28
